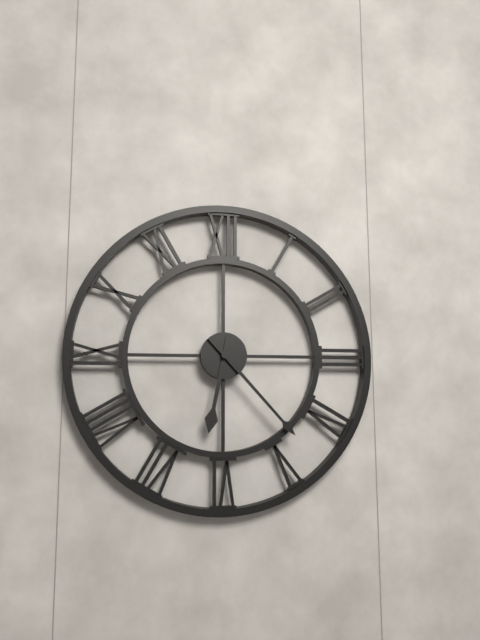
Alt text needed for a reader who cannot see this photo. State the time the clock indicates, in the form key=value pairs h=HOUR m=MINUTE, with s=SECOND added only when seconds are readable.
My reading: h=6 m=23
